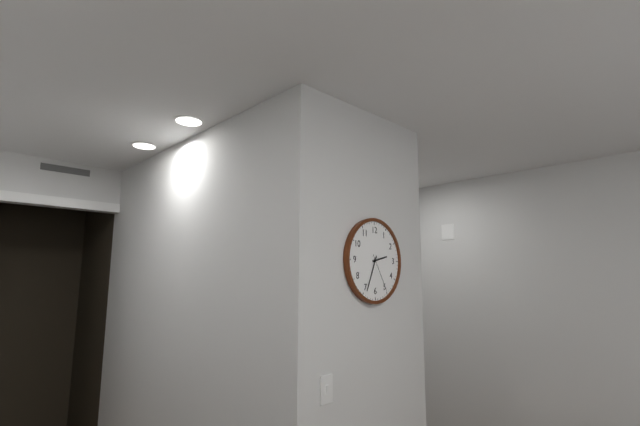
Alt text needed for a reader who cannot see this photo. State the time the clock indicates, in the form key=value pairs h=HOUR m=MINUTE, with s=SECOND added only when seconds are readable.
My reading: h=2 m=34
